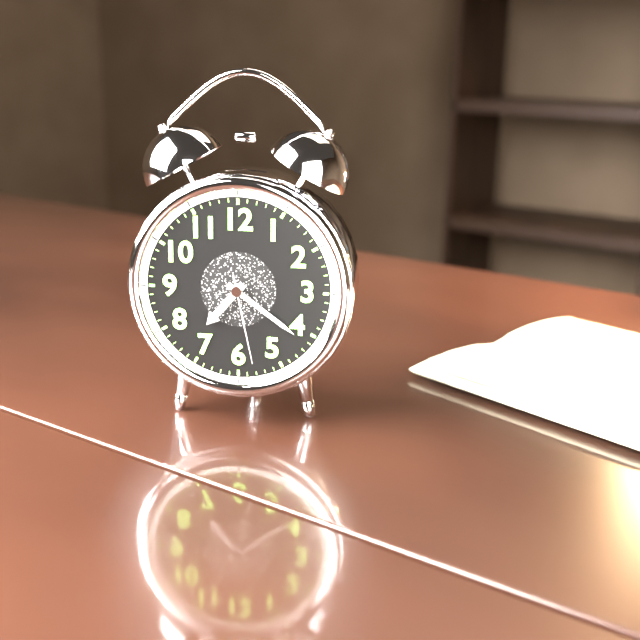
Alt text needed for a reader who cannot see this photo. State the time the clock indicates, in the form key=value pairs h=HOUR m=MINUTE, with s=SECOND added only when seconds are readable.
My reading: h=7 m=21 s=28
